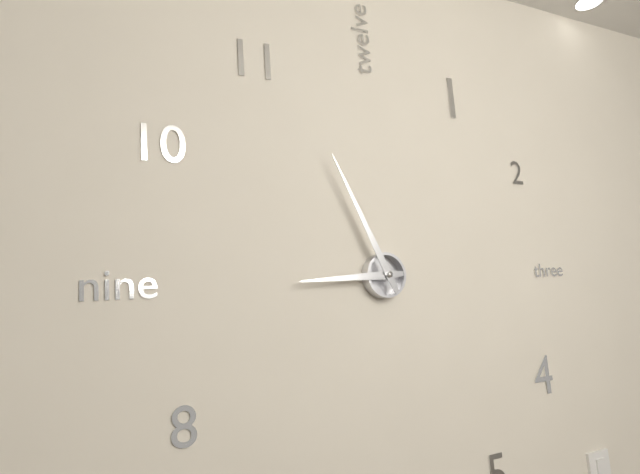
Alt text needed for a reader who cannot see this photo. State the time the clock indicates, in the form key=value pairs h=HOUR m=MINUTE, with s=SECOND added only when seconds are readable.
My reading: h=8 m=56
